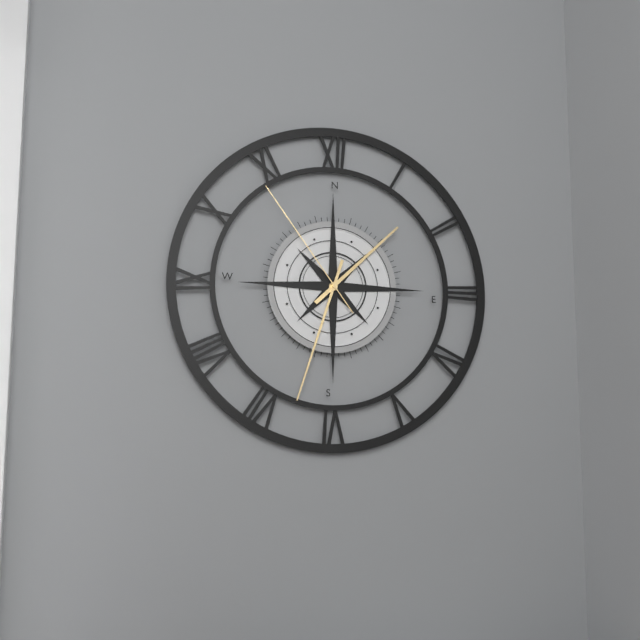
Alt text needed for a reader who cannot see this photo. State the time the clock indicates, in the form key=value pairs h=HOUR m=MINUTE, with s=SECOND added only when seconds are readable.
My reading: h=1 m=33 s=54
